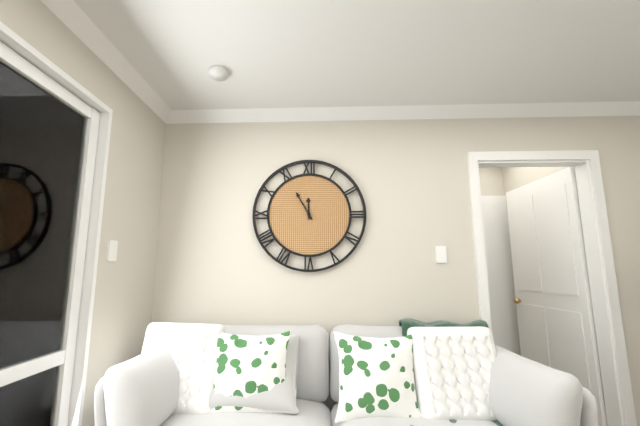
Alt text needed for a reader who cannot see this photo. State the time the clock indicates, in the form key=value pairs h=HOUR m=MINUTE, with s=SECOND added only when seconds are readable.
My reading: h=11 m=55
